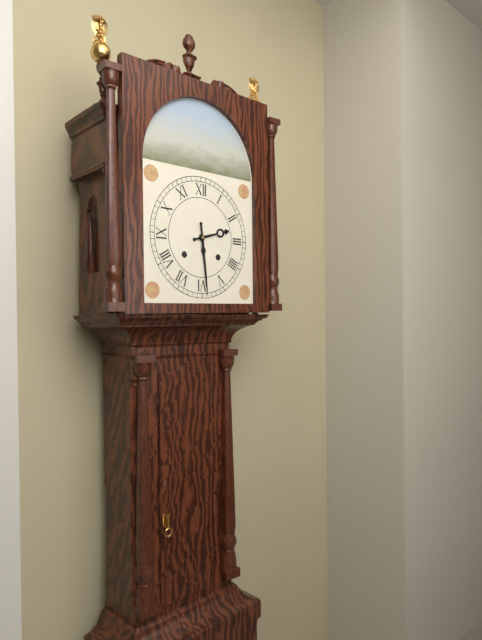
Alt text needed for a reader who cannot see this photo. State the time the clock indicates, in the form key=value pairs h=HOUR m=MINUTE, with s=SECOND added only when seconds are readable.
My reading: h=2 m=29
